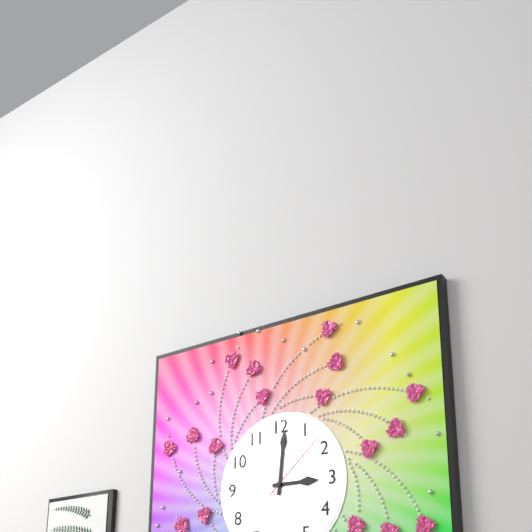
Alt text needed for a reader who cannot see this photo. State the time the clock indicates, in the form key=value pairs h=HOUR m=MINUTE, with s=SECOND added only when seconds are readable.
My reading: h=3 m=1 s=8
